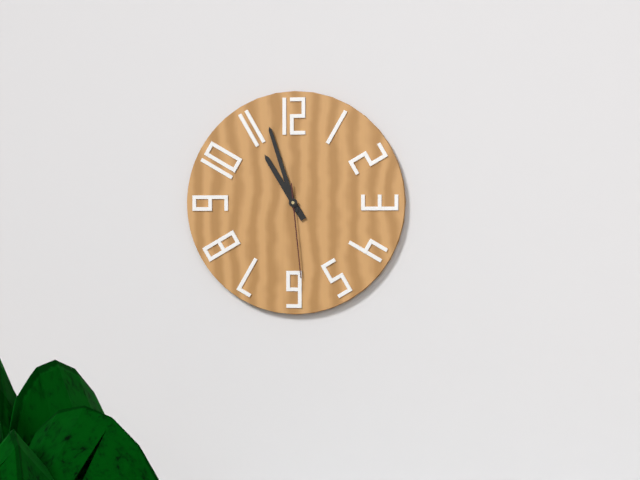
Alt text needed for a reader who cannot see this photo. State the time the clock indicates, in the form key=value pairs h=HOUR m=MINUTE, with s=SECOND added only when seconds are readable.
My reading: h=10 m=57 s=29
